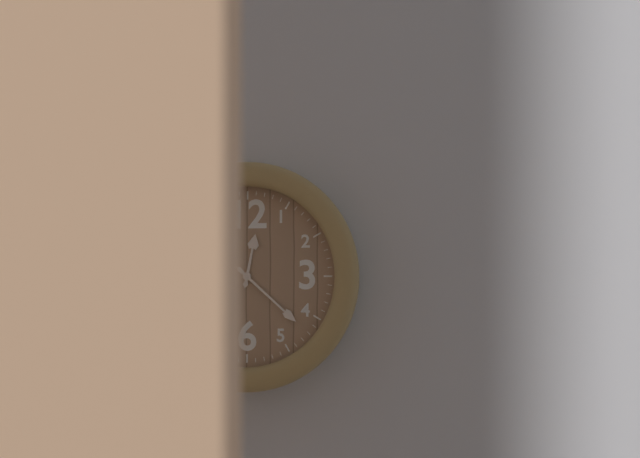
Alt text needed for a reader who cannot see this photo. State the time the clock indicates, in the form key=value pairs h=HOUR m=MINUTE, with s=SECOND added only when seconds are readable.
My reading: h=12 m=22
